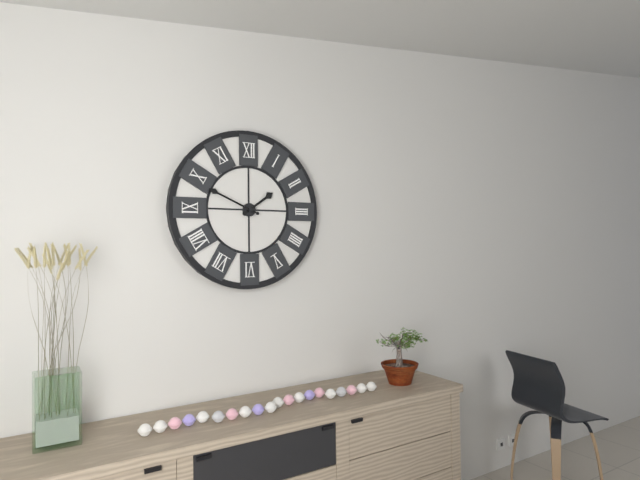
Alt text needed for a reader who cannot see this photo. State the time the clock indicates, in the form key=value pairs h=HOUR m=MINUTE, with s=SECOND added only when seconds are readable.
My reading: h=1 m=49
